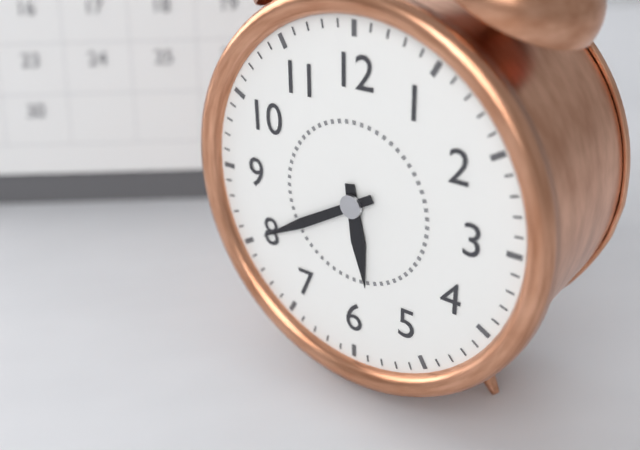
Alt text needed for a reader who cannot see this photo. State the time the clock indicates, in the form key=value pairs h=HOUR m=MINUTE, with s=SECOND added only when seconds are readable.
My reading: h=5 m=40
